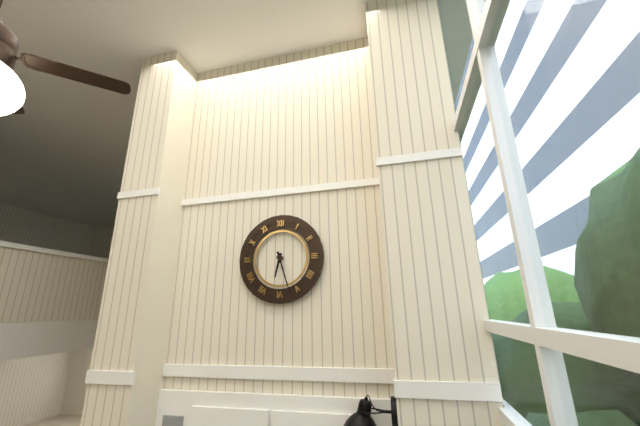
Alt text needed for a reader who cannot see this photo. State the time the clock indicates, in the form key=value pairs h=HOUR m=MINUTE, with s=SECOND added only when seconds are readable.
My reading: h=6 m=27
